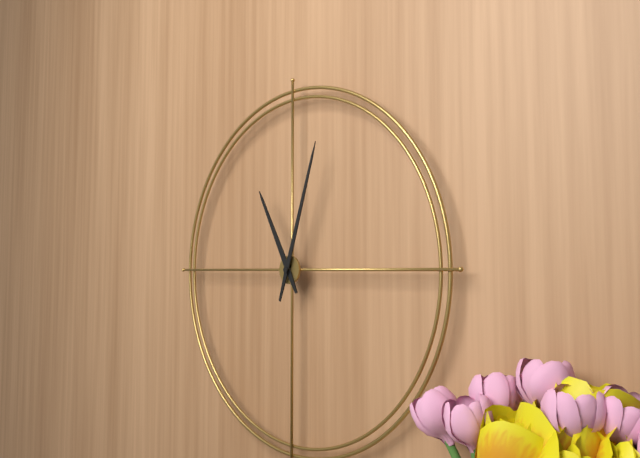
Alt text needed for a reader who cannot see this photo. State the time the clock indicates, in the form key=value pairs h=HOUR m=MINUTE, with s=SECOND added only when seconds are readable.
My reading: h=11 m=3
